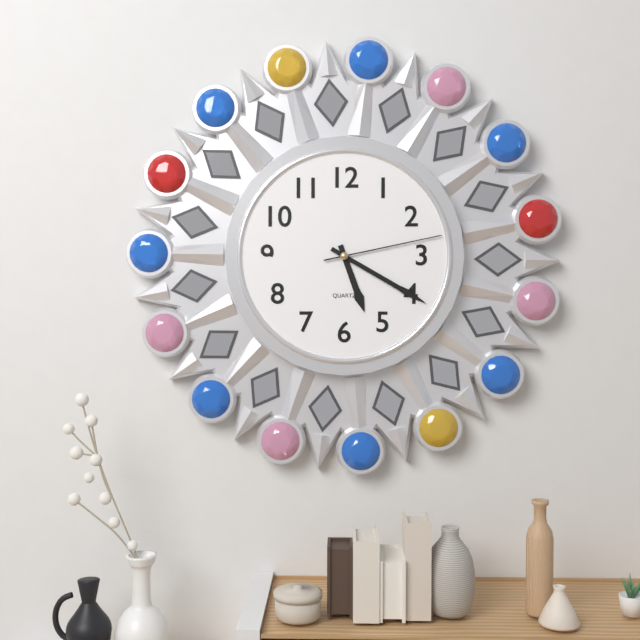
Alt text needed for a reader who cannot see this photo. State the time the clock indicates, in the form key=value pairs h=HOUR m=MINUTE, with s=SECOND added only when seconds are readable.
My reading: h=5 m=20 s=13
